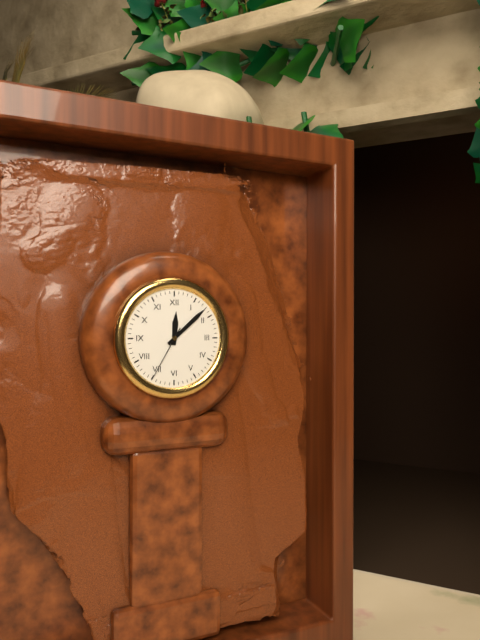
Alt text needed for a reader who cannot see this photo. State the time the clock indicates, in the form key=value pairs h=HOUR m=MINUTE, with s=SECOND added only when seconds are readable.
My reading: h=12 m=8 s=35
